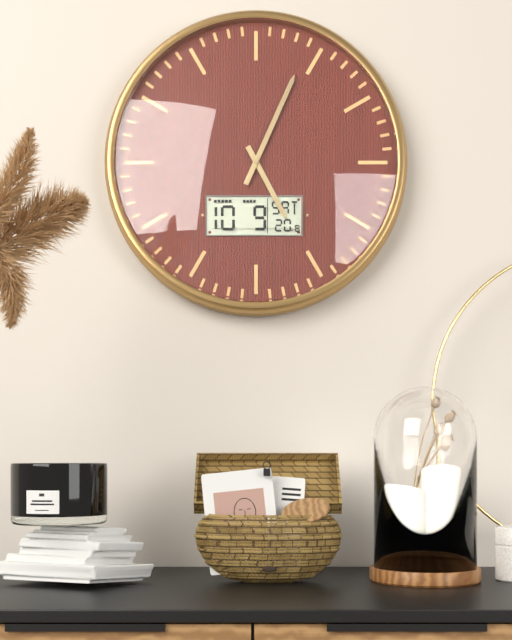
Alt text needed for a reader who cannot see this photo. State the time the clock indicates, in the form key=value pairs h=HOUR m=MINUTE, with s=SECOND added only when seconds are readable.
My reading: h=5 m=4
